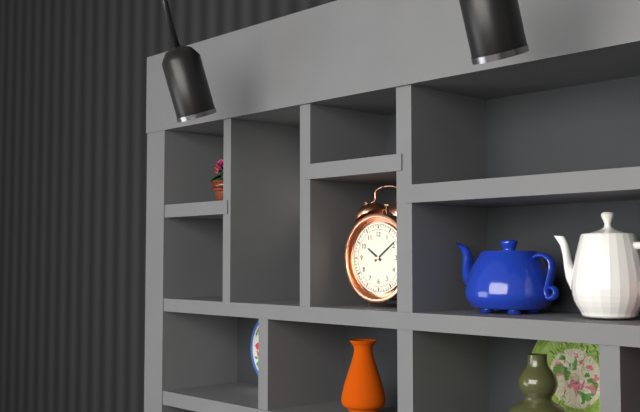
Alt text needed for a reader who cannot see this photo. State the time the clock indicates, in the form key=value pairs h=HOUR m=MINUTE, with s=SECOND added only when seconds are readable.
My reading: h=10 m=9
